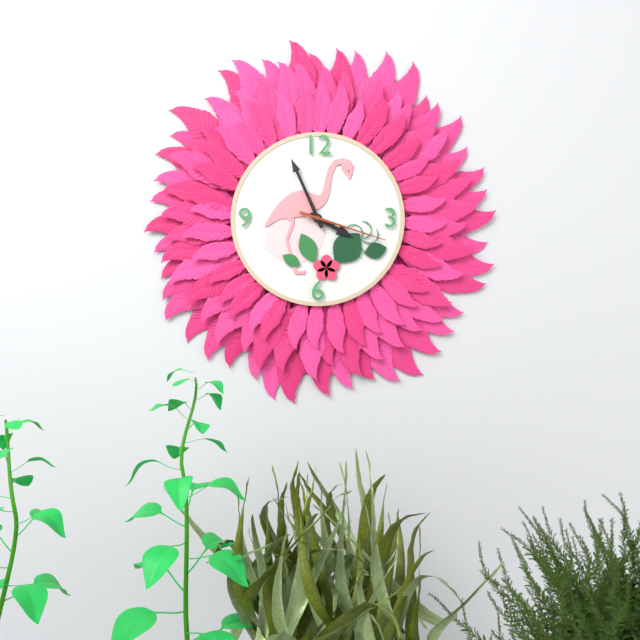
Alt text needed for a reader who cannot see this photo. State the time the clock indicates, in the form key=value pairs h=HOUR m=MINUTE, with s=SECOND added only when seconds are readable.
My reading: h=3 m=56 s=18
